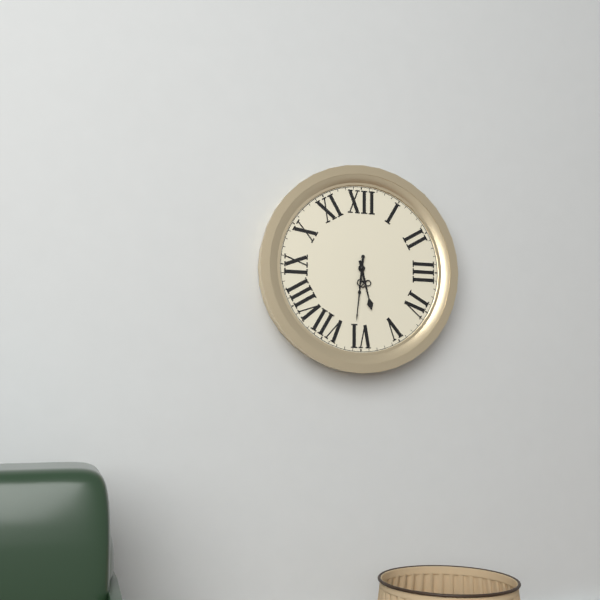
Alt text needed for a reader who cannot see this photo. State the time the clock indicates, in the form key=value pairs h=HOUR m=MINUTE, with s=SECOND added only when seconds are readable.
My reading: h=5 m=31
